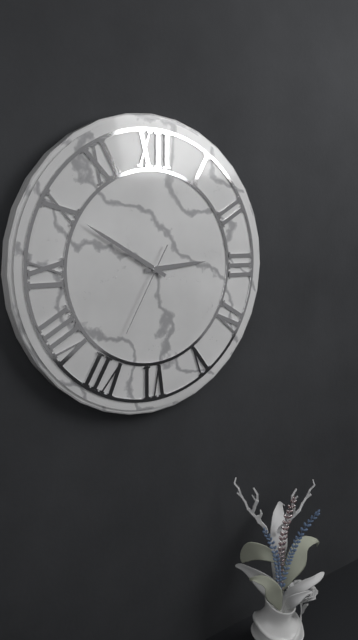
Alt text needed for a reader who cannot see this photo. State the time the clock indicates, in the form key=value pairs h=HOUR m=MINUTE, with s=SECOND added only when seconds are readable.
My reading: h=2 m=50 s=35
